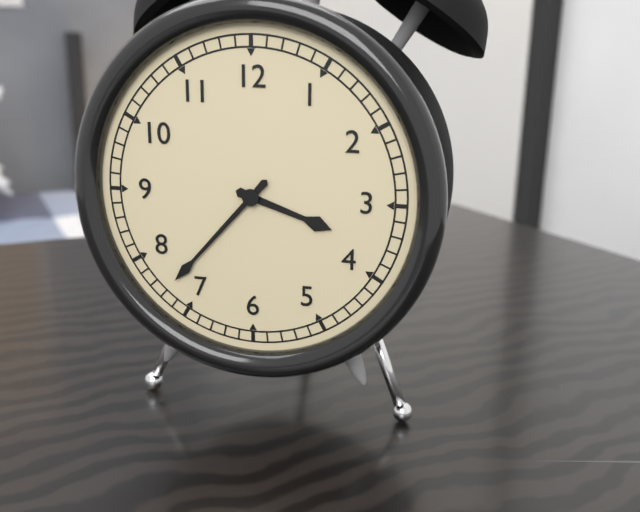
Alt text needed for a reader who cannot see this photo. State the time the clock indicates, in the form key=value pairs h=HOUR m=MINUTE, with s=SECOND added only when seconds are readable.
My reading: h=3 m=37
